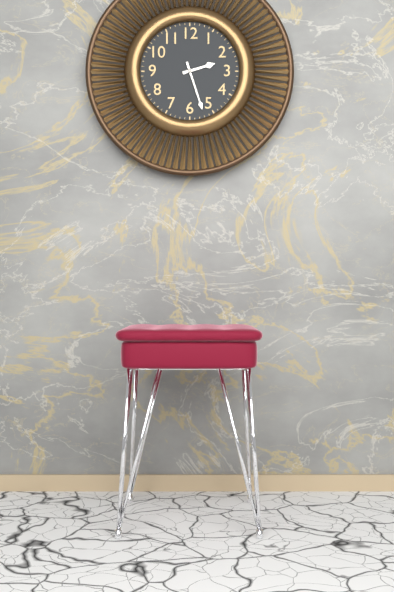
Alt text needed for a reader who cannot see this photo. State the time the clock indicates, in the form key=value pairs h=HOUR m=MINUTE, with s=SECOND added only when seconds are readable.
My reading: h=2 m=27
